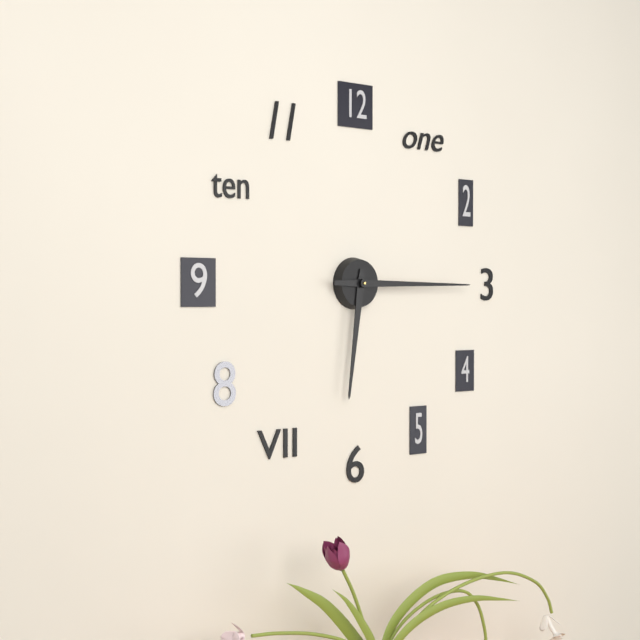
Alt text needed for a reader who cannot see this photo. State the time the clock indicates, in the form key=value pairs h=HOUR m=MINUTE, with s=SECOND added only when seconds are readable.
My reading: h=6 m=15
